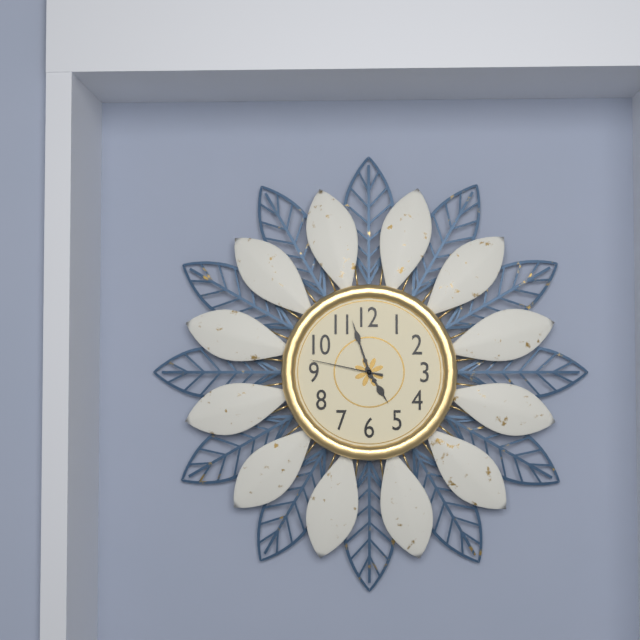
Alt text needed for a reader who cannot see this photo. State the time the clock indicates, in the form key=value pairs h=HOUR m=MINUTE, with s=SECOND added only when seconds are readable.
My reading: h=4 m=57 s=47
